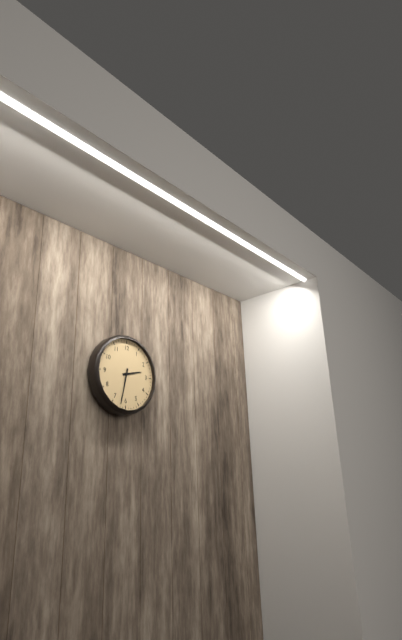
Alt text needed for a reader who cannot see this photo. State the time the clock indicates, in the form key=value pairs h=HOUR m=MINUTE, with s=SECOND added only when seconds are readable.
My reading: h=2 m=32
